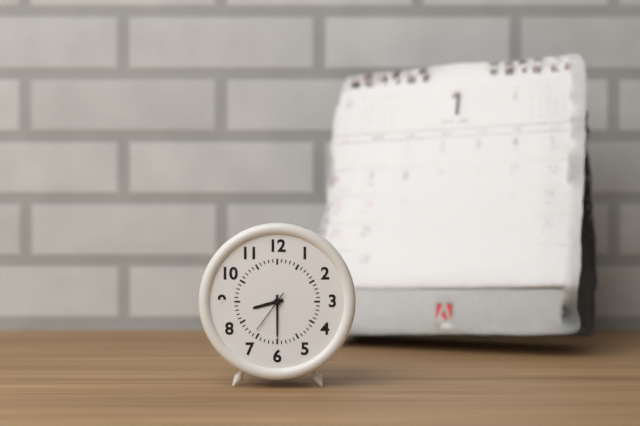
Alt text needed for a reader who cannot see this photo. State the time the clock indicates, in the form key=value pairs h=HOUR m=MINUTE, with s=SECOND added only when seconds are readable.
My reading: h=8 m=30
